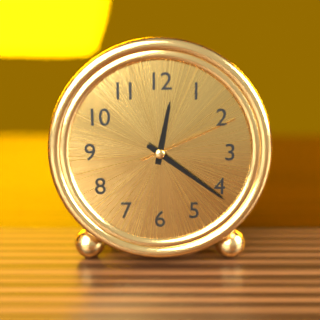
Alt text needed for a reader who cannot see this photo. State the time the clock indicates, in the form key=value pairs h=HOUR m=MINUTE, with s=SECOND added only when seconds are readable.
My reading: h=12 m=21 s=11
